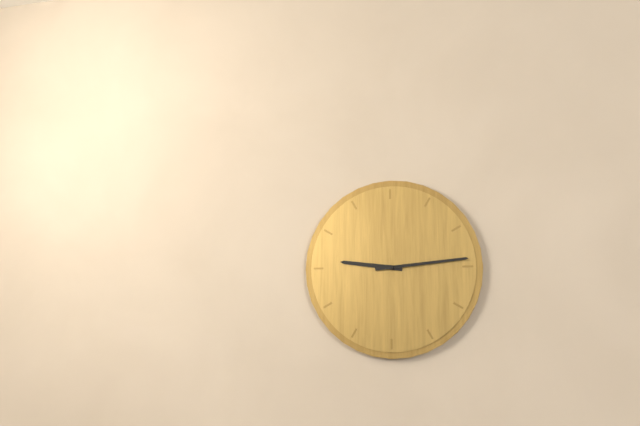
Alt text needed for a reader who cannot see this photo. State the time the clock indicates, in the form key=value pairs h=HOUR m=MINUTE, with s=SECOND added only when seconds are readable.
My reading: h=9 m=14
